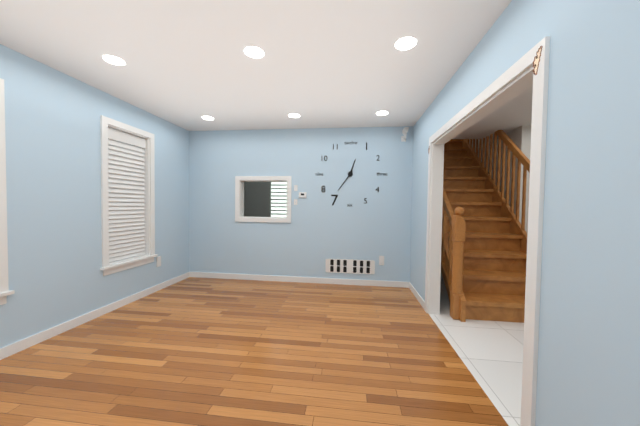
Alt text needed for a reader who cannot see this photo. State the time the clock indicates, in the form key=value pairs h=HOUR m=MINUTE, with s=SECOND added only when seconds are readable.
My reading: h=12 m=36
